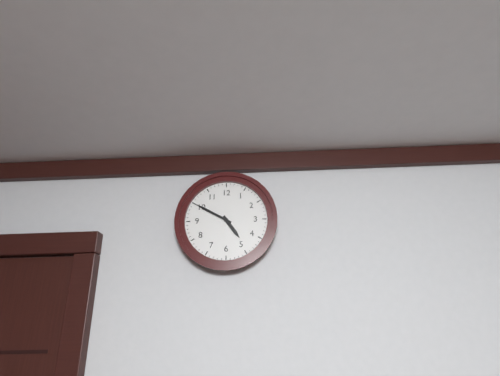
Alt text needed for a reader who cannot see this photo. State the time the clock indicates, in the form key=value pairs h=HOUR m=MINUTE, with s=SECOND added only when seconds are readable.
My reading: h=4 m=50
